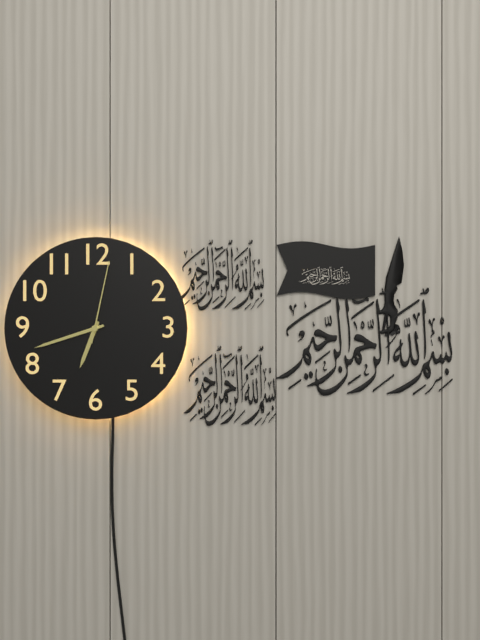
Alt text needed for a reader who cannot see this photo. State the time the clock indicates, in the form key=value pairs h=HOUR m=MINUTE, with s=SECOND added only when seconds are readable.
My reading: h=6 m=42 s=2
